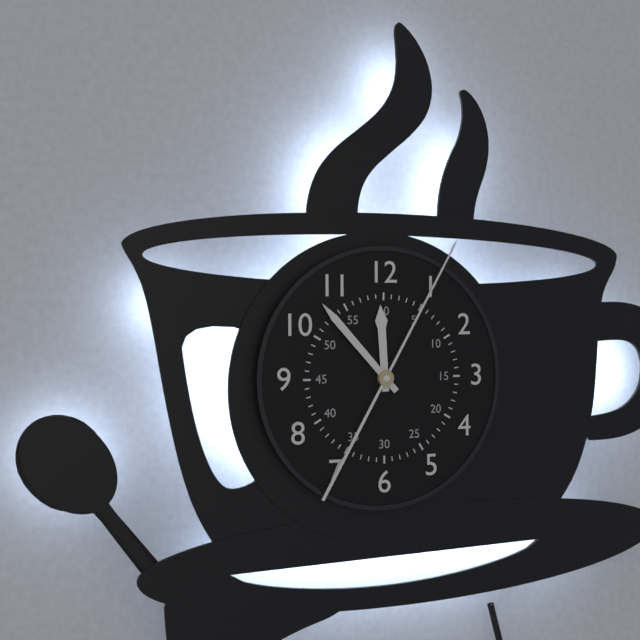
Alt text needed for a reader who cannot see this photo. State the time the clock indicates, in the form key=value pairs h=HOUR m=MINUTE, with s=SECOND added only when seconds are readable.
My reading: h=11 m=53 s=5
